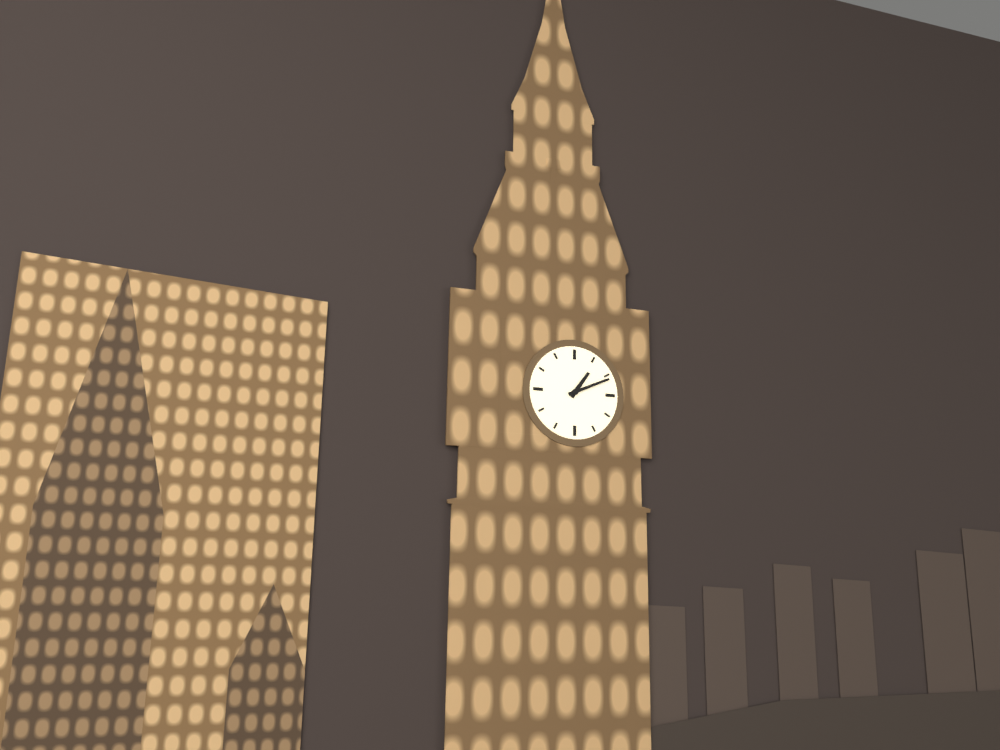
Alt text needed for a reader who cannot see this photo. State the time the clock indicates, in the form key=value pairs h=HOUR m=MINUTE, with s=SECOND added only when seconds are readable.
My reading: h=1 m=11
